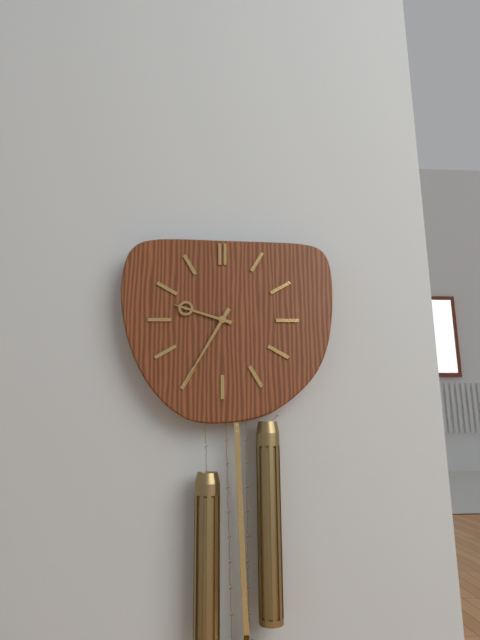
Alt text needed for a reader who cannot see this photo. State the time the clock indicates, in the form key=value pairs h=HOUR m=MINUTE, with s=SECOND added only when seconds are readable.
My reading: h=9 m=35
